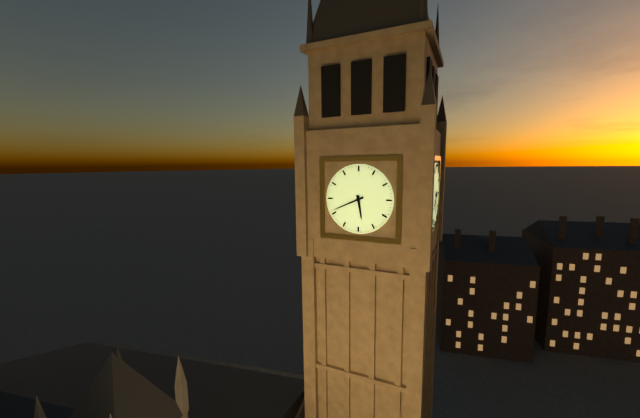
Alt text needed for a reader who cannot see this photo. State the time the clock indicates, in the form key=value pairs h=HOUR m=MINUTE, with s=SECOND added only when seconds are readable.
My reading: h=5 m=41
